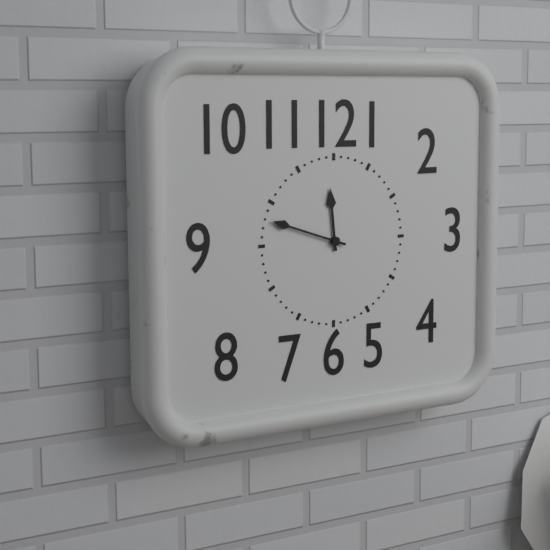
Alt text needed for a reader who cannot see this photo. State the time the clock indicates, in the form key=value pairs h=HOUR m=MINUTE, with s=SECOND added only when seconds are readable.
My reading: h=11 m=48
